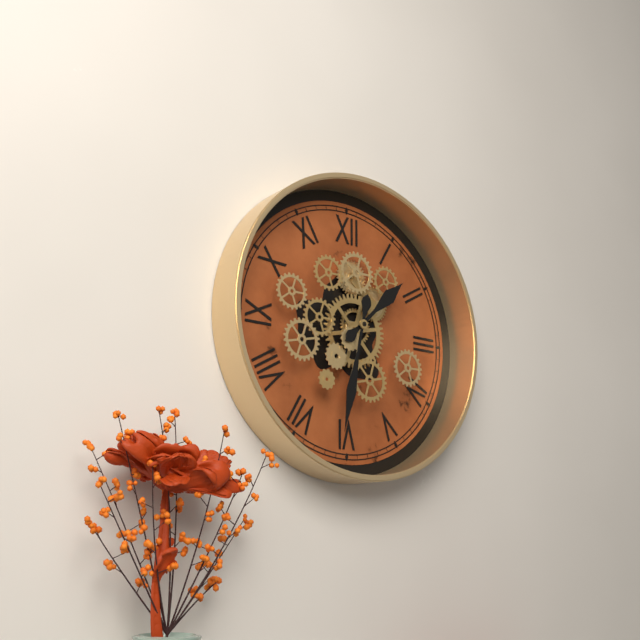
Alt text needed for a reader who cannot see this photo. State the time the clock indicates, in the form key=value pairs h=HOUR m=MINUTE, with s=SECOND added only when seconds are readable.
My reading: h=1 m=32
